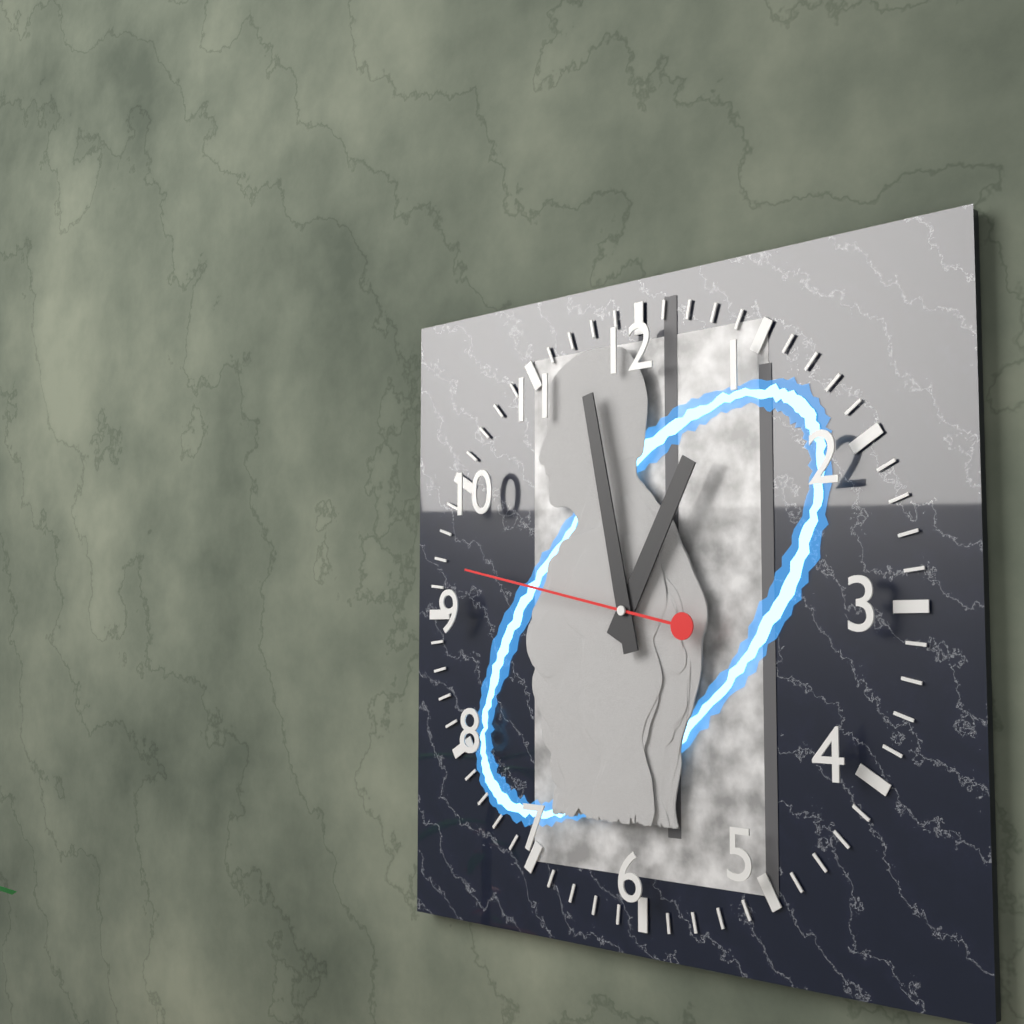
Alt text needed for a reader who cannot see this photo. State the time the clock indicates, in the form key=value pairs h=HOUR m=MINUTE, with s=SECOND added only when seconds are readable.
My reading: h=12 m=58 s=47
